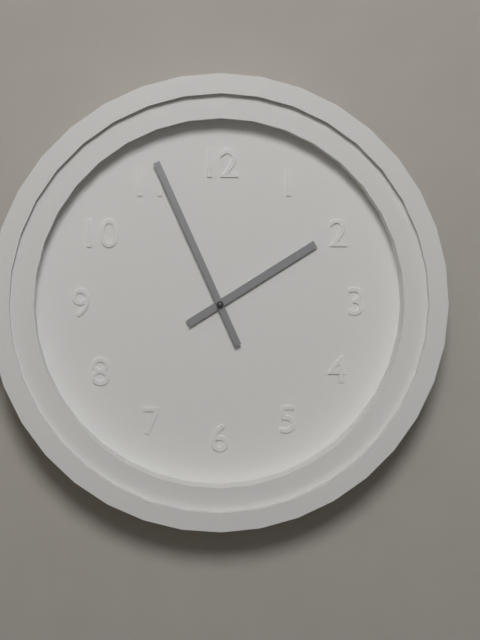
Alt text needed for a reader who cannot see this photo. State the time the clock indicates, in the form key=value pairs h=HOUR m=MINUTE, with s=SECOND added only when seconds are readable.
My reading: h=1 m=56
